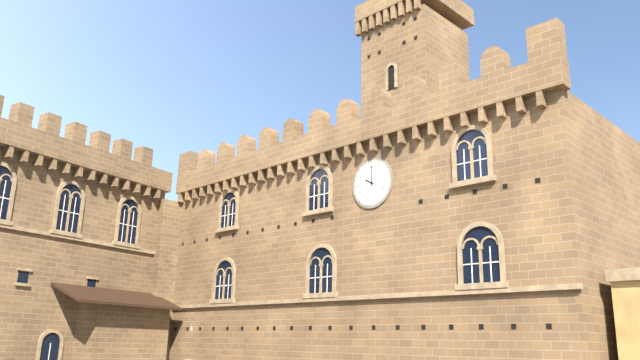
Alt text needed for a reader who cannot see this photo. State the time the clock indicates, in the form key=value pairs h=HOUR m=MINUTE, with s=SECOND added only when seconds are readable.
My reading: h=10 m=0
